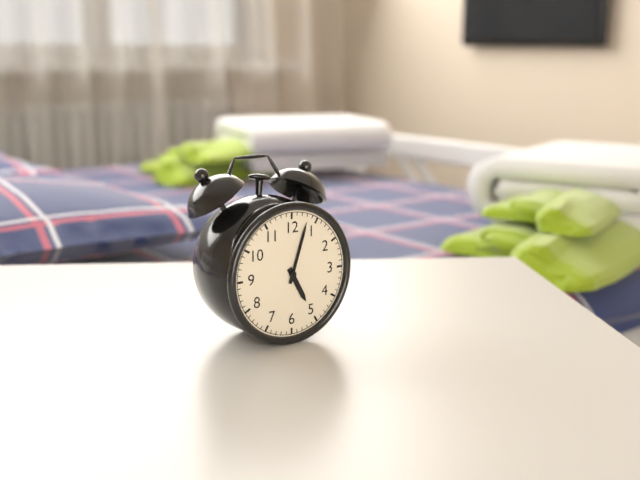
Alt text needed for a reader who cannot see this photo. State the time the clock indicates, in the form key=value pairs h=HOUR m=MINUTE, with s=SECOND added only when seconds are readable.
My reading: h=5 m=3
